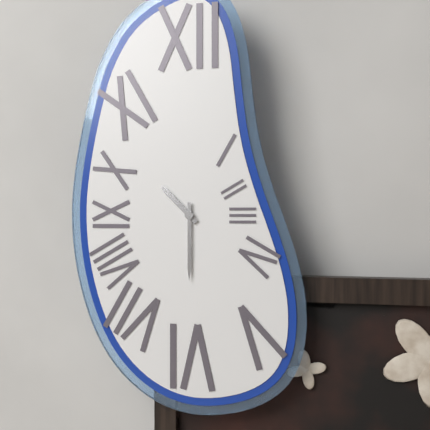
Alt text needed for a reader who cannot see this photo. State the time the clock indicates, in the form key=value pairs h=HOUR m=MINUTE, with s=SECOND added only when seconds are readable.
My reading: h=10 m=30
